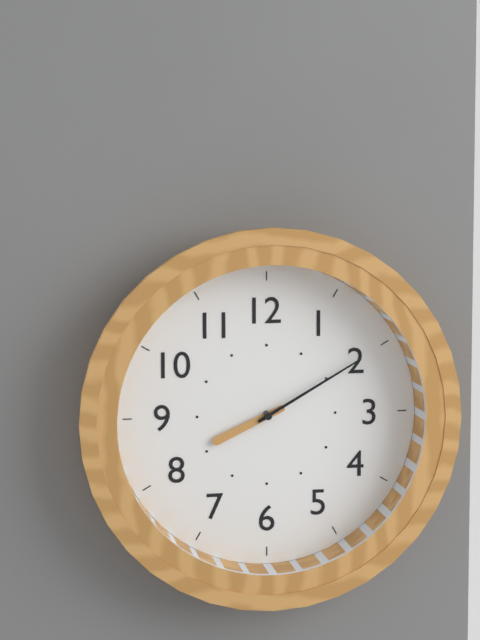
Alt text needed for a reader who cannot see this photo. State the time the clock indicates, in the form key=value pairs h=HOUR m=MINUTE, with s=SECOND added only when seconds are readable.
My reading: h=8 m=10
